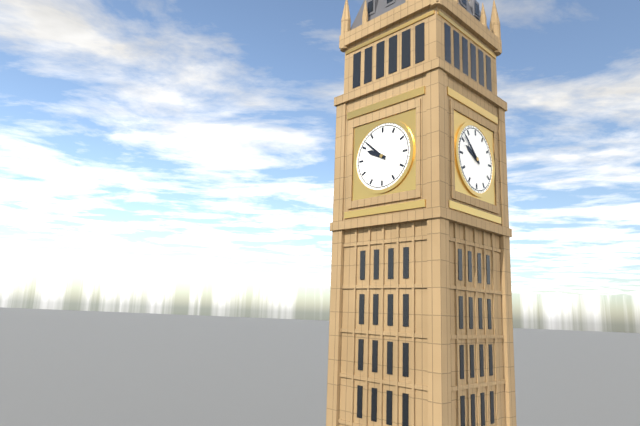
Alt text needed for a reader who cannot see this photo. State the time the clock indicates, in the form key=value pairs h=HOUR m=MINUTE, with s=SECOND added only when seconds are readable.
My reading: h=9 m=52
